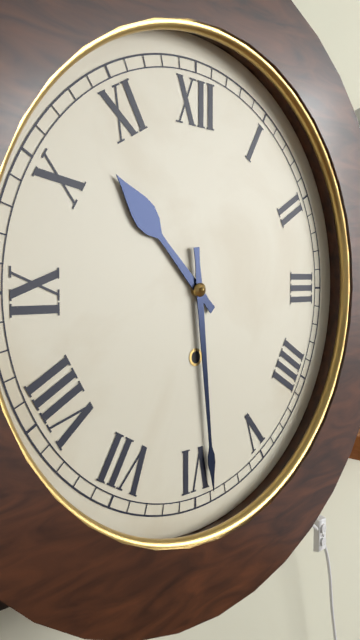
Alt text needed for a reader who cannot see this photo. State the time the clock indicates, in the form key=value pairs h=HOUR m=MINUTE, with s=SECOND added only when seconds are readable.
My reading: h=10 m=29
